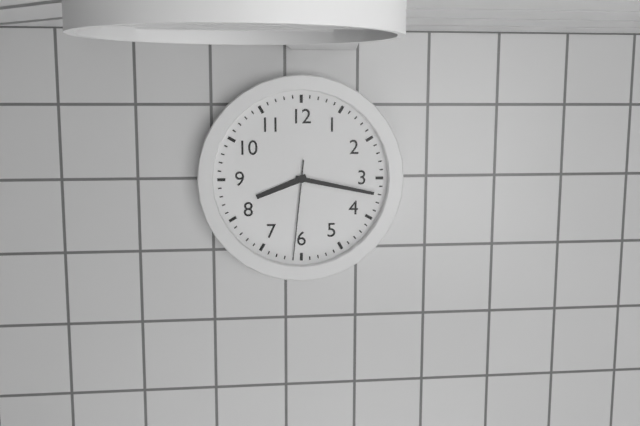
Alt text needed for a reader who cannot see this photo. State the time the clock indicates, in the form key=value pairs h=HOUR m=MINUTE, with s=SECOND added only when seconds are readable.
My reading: h=8 m=17 s=31
